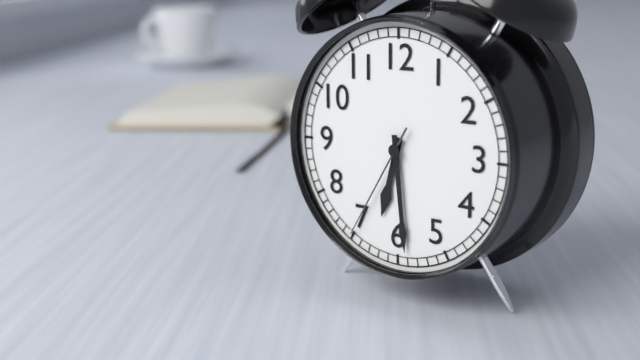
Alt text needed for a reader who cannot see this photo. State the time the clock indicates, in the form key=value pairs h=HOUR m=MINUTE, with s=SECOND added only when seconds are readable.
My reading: h=6 m=29 s=35
